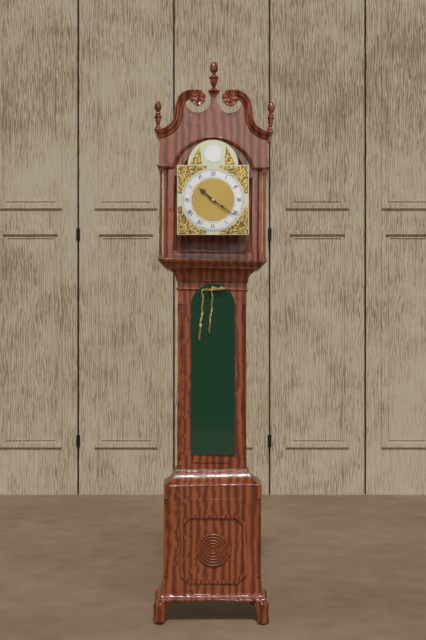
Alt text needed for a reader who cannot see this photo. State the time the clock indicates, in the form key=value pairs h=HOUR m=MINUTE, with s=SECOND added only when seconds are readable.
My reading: h=10 m=21
